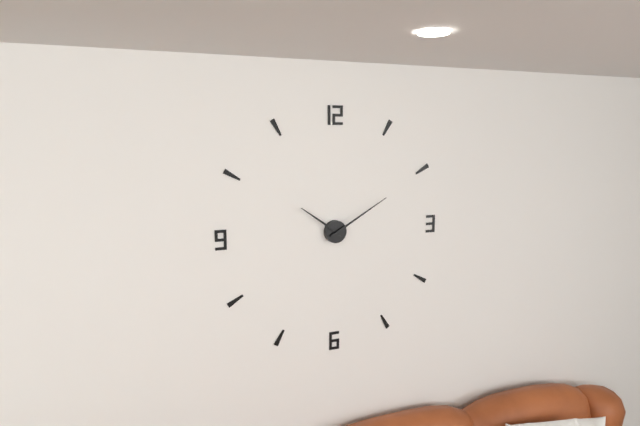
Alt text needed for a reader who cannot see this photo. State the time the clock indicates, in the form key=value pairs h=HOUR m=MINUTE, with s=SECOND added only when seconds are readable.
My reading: h=10 m=10
